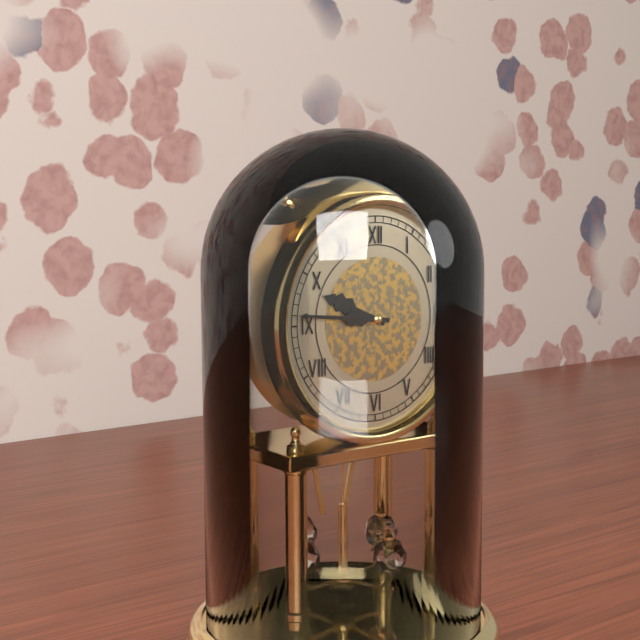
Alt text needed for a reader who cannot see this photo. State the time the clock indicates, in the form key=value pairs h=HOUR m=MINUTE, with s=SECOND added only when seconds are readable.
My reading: h=9 m=46
